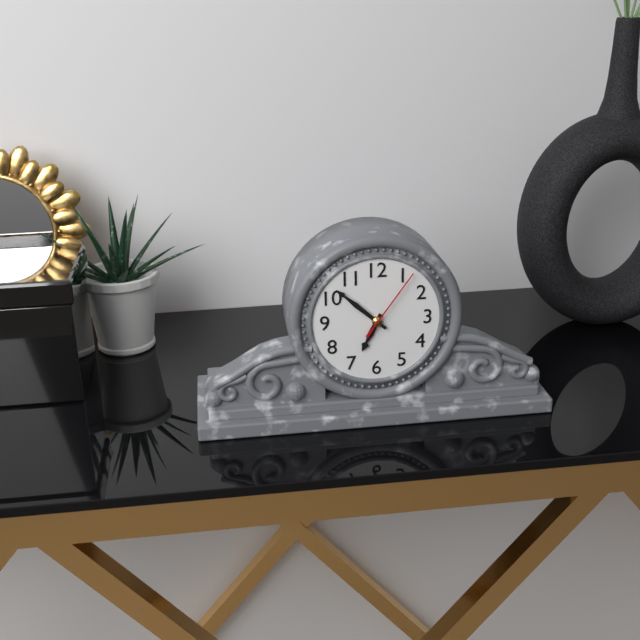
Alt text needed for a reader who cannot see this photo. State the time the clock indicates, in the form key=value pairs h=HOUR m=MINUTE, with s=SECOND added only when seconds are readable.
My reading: h=6 m=52 s=6
